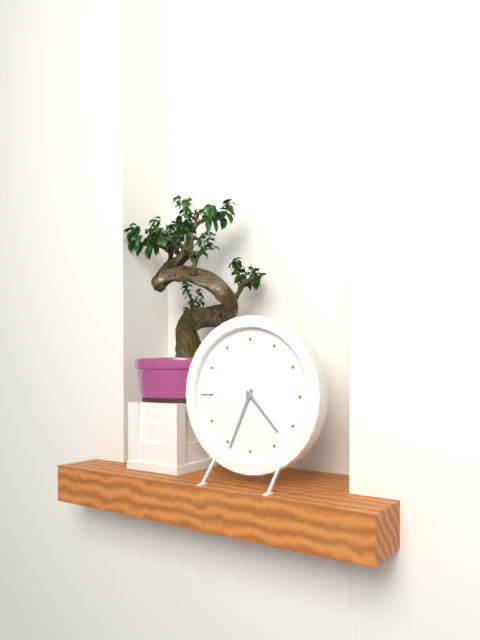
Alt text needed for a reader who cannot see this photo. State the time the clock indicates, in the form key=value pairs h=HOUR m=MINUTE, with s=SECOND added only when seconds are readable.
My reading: h=4 m=34
